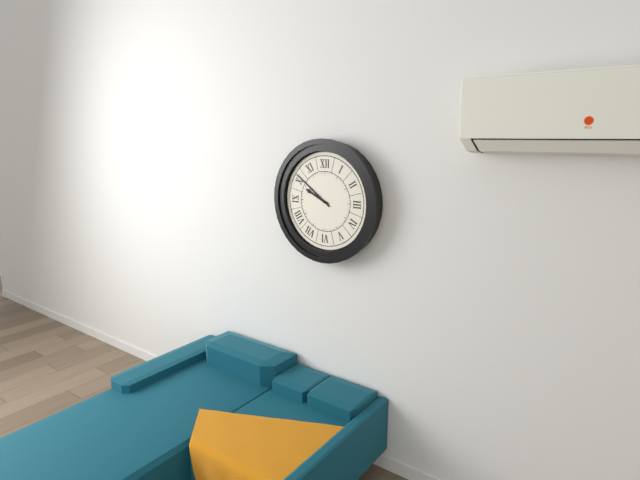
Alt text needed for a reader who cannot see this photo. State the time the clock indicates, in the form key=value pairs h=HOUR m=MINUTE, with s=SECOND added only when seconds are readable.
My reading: h=9 m=51
